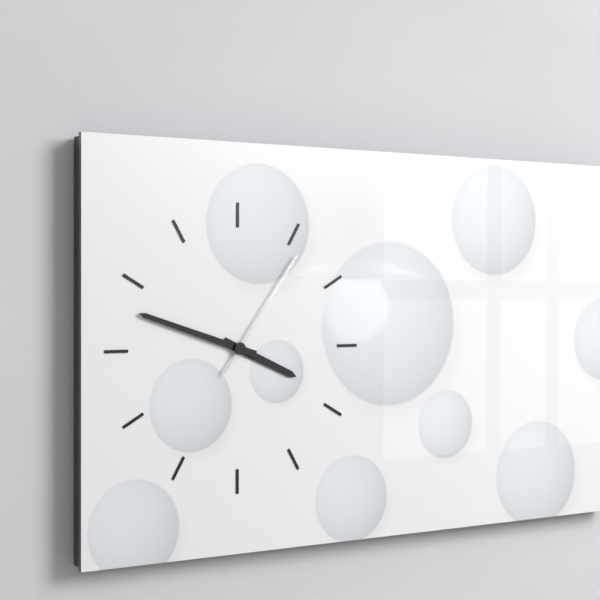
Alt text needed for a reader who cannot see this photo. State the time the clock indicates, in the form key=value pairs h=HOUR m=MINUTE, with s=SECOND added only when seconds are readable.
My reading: h=3 m=48 s=6
